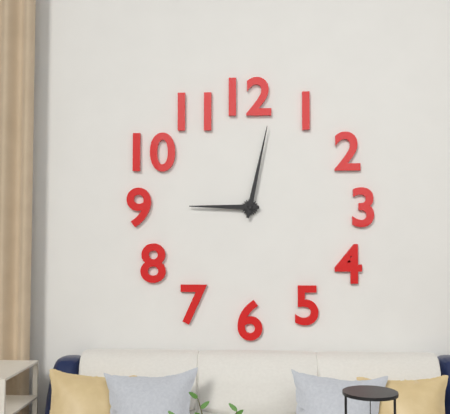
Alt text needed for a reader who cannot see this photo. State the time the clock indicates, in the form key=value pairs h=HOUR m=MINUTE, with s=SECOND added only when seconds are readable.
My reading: h=9 m=2
